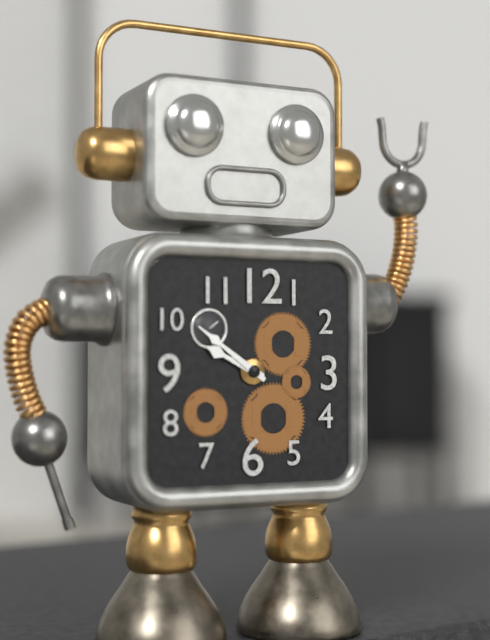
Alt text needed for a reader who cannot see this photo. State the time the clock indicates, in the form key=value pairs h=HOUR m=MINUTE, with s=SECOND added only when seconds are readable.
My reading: h=9 m=51
